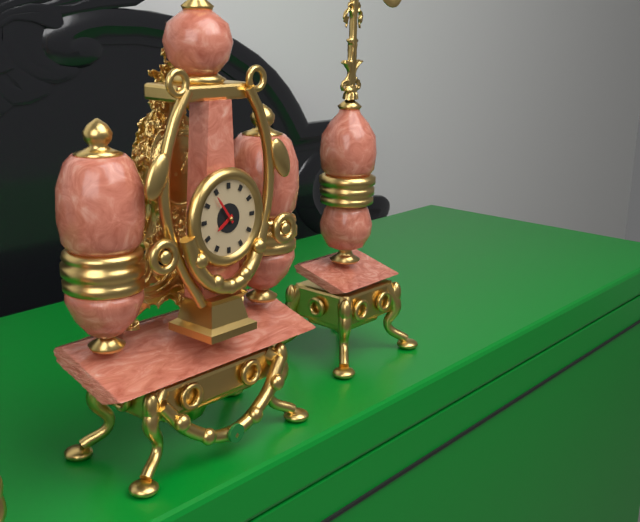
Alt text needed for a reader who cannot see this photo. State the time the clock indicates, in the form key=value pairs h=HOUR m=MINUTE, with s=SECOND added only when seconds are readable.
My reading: h=7 m=54
